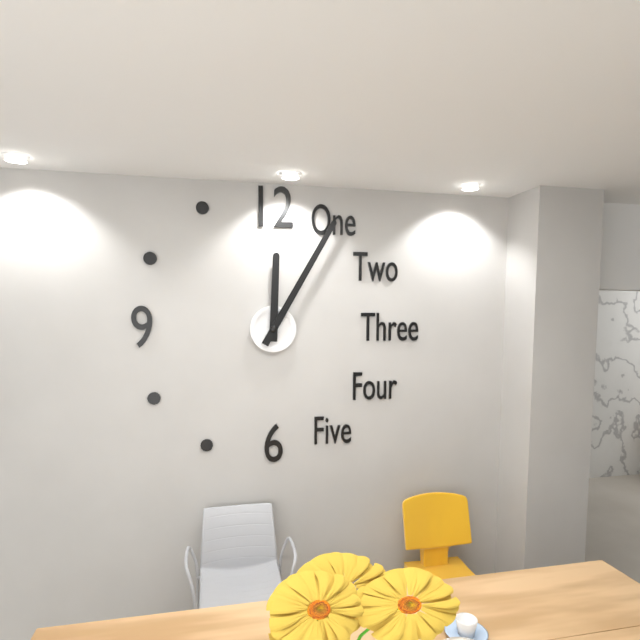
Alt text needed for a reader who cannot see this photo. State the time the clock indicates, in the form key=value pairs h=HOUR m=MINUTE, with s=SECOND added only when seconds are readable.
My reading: h=12 m=5
